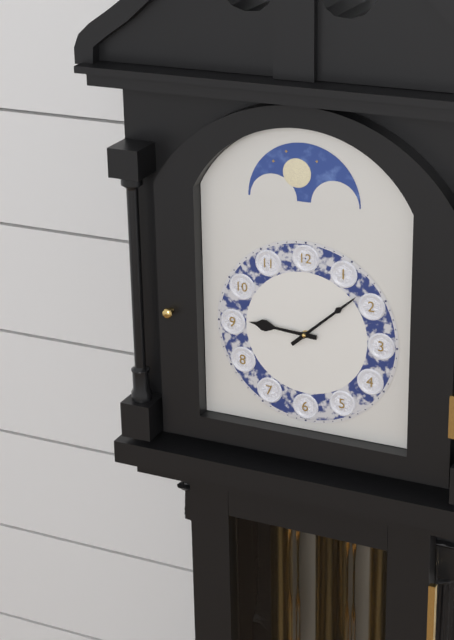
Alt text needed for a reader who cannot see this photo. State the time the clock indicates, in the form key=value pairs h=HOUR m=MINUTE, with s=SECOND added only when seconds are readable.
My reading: h=9 m=8
